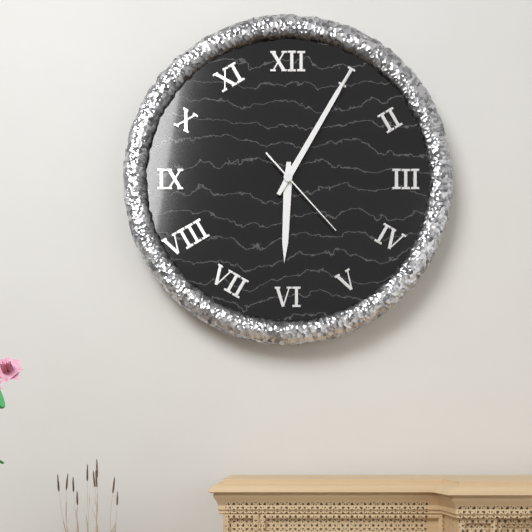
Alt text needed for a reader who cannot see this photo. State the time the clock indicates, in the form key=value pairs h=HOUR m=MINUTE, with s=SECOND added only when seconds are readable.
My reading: h=6 m=5 s=23
